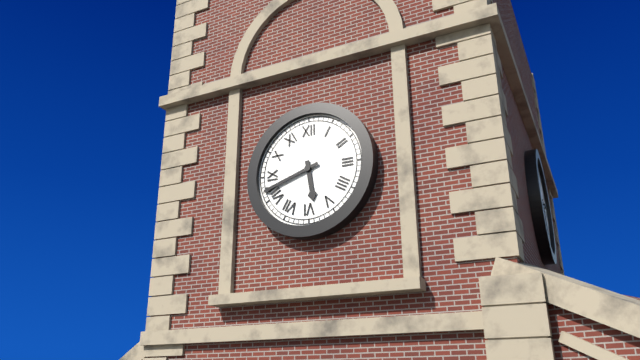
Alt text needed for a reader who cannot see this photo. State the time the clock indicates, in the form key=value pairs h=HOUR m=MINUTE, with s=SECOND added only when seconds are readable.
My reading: h=5 m=42
